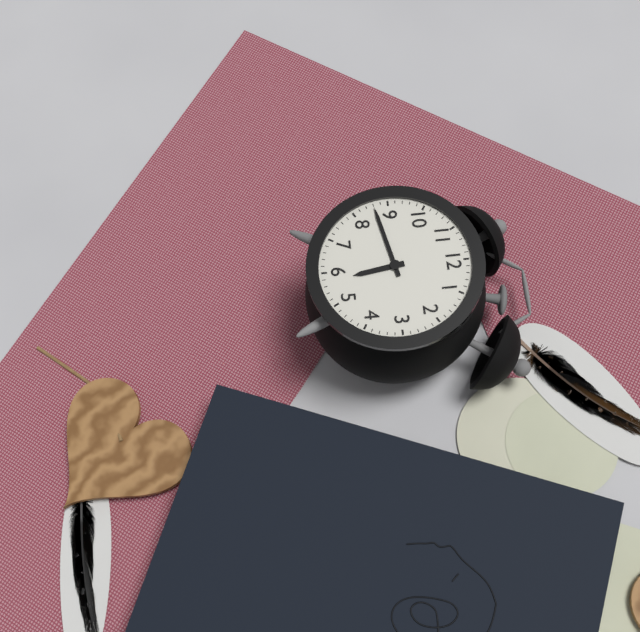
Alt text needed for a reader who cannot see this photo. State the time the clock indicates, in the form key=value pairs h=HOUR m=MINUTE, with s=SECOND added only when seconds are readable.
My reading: h=5 m=43
